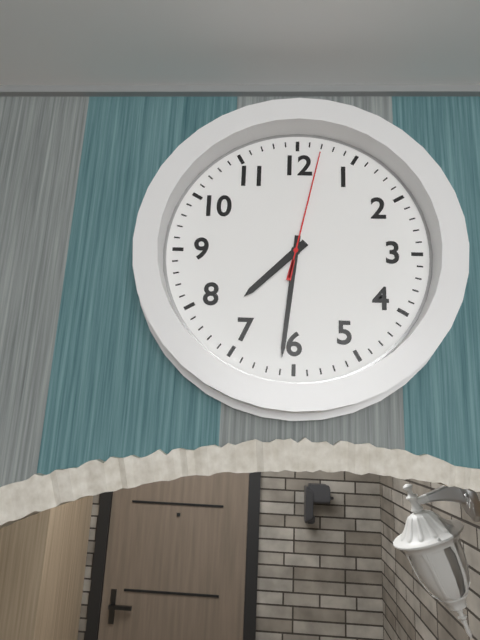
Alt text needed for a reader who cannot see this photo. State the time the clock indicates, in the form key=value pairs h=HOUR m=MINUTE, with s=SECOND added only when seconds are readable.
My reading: h=7 m=31 s=2
